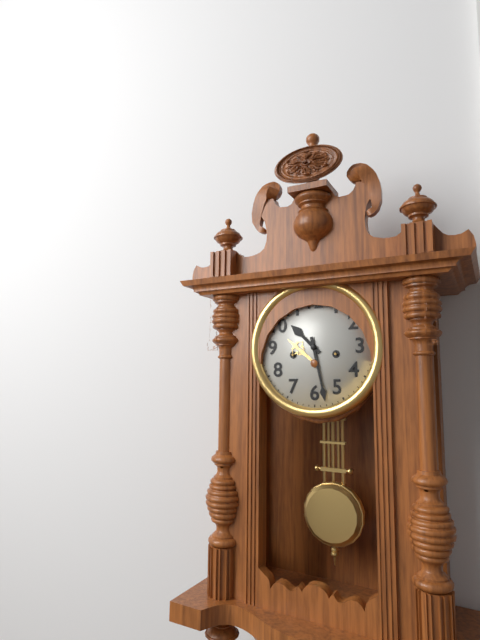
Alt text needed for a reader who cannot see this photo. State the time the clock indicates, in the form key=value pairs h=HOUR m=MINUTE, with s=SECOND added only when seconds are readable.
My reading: h=10 m=28
